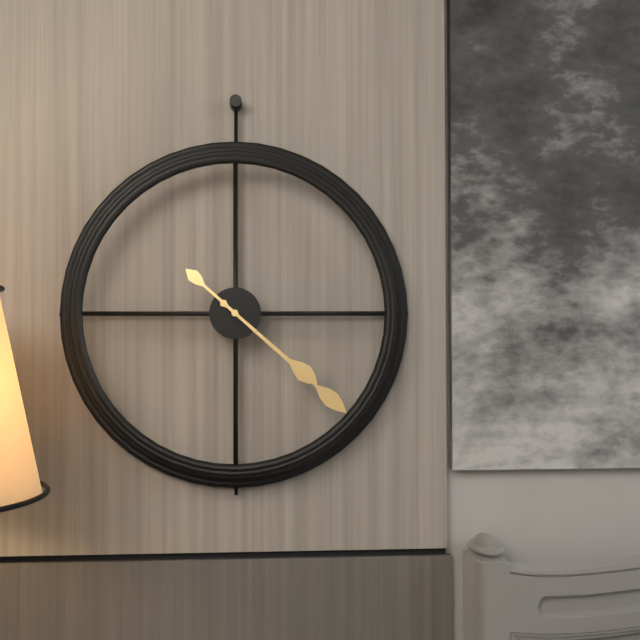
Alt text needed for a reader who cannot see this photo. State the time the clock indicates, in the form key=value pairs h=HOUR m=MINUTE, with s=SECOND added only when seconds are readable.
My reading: h=4 m=22
